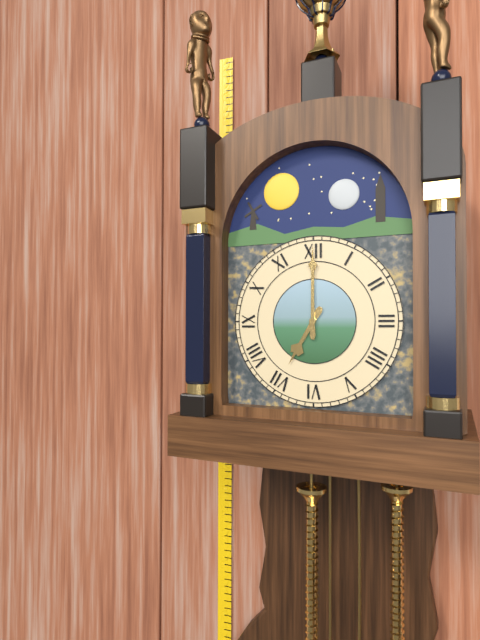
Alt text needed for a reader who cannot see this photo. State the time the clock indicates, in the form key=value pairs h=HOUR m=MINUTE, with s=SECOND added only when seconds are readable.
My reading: h=7 m=0
